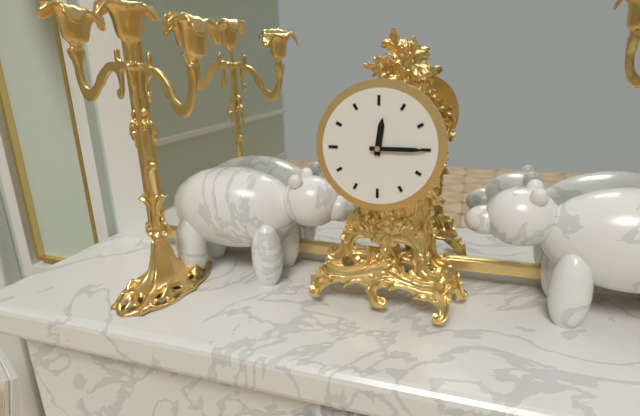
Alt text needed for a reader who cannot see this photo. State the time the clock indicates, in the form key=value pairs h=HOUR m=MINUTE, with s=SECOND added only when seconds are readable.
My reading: h=12 m=15
